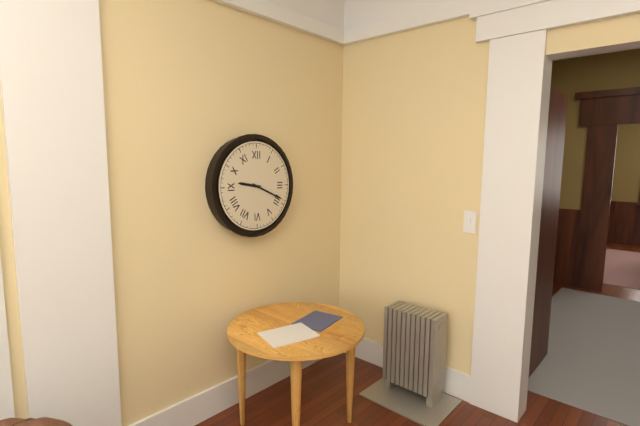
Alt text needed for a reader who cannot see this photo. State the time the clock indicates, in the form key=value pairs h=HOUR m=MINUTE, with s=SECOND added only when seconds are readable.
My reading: h=9 m=19
